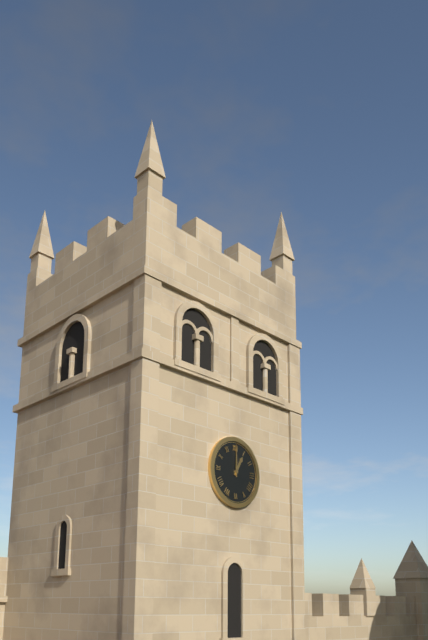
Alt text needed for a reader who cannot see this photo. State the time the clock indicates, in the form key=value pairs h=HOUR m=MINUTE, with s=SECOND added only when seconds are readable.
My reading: h=1 m=0
